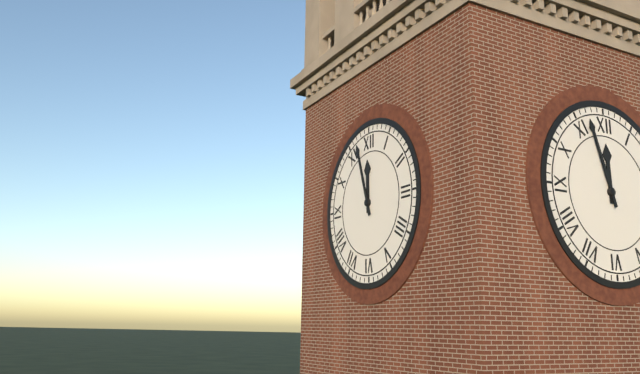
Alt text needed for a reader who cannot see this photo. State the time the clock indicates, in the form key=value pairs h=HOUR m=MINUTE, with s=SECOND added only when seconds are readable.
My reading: h=11 m=57
